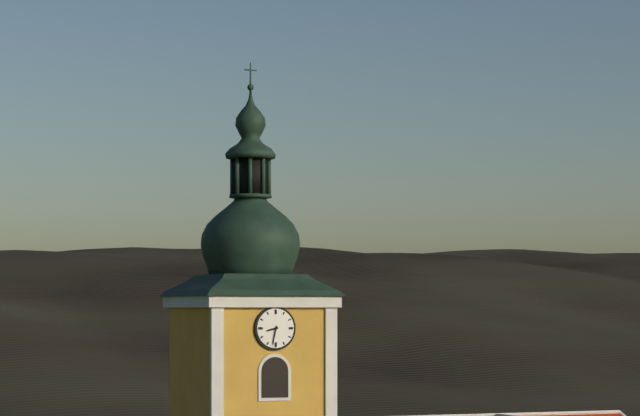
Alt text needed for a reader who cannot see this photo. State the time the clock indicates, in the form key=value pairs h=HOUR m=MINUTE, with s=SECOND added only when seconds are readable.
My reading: h=8 m=32
